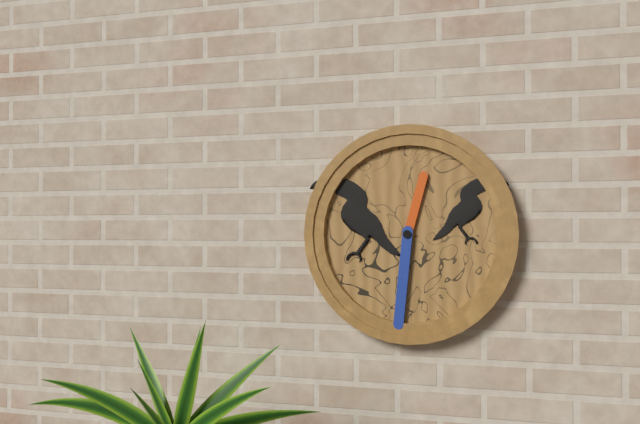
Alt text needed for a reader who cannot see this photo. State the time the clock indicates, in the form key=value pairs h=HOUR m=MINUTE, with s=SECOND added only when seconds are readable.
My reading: h=12 m=31
